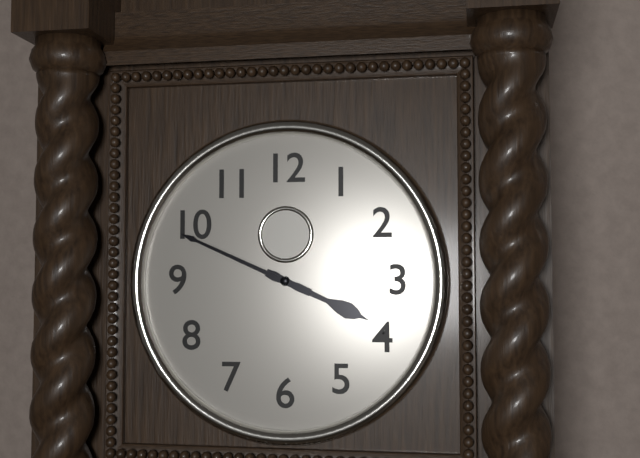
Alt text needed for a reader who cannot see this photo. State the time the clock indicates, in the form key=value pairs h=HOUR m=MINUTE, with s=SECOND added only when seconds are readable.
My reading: h=3 m=49
